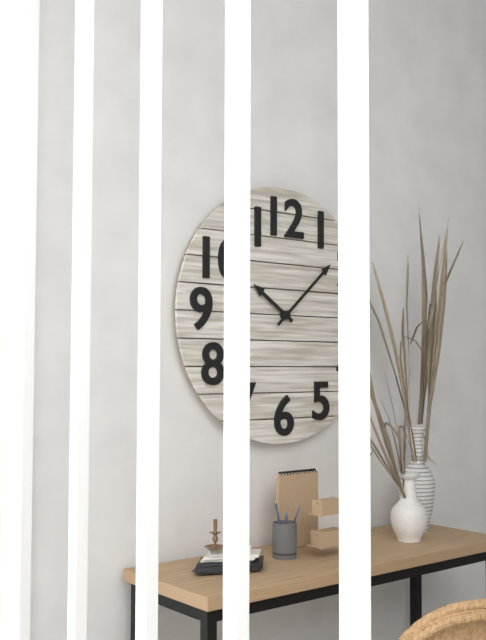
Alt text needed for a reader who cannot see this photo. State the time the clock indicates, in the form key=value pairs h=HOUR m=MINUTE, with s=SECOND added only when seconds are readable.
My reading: h=10 m=8
